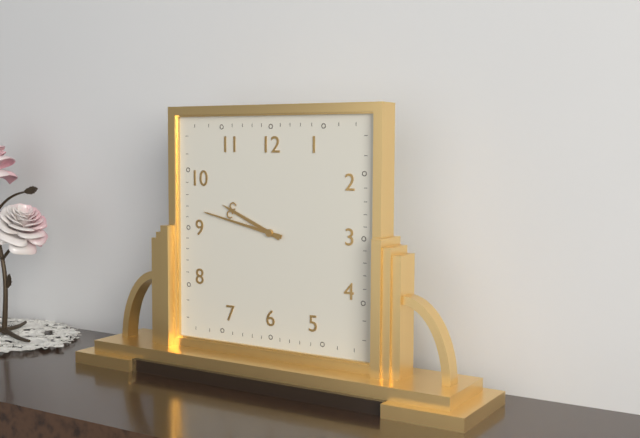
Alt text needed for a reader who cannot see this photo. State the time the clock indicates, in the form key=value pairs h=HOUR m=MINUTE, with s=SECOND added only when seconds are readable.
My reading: h=9 m=47
